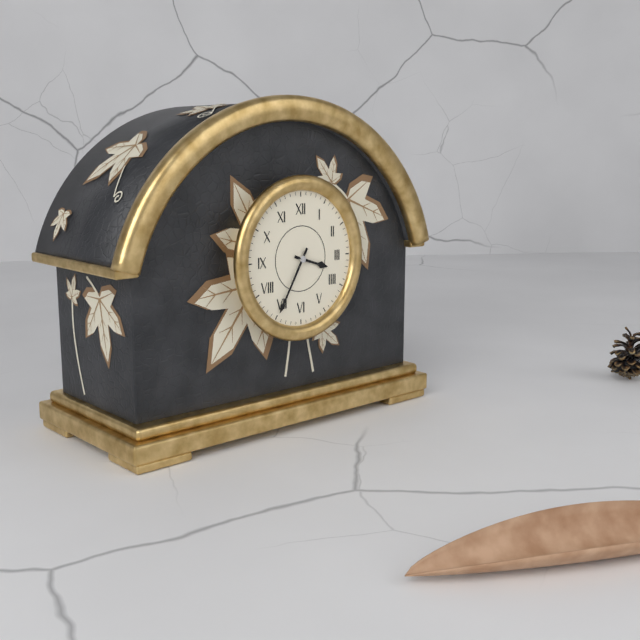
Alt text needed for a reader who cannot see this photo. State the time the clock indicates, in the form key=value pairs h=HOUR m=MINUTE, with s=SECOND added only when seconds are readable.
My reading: h=3 m=35
